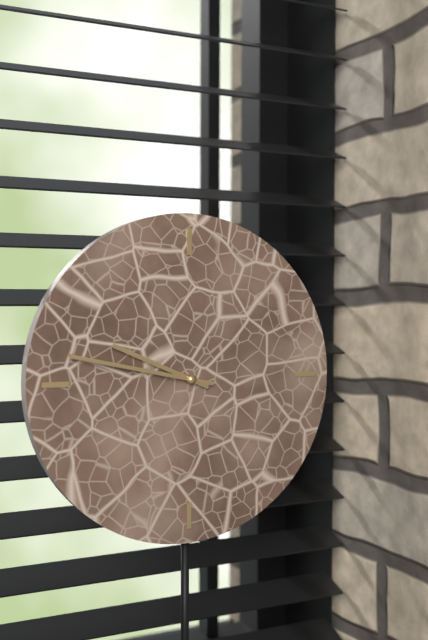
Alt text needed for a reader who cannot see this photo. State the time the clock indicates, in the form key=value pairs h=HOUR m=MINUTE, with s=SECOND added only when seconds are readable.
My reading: h=9 m=47
